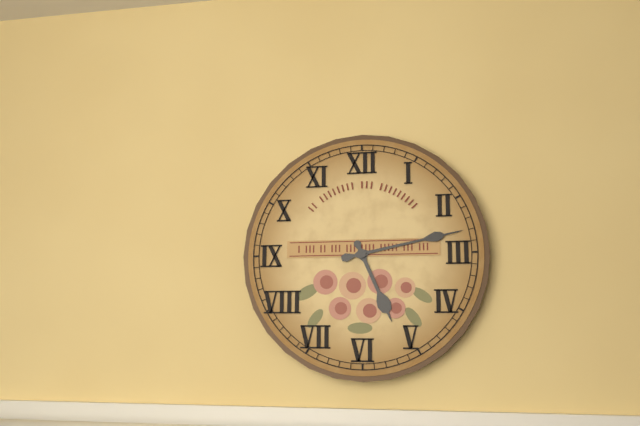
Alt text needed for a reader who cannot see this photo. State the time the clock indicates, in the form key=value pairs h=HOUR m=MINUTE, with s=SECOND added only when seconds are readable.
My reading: h=5 m=13
